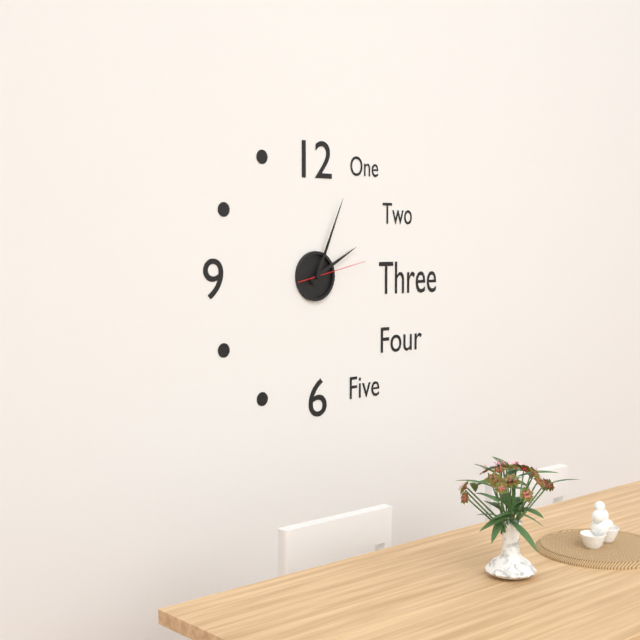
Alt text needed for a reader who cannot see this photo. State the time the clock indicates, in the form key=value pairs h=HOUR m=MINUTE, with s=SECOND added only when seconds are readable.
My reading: h=2 m=4 s=13
